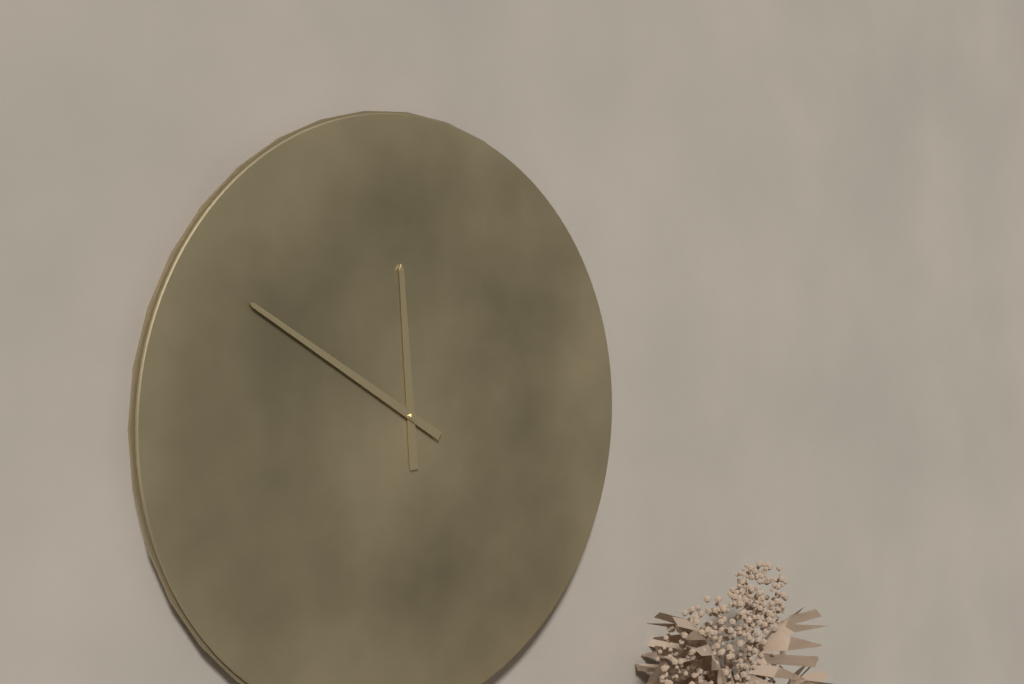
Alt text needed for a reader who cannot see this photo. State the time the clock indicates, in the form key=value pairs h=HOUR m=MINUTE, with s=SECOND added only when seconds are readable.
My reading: h=11 m=50
